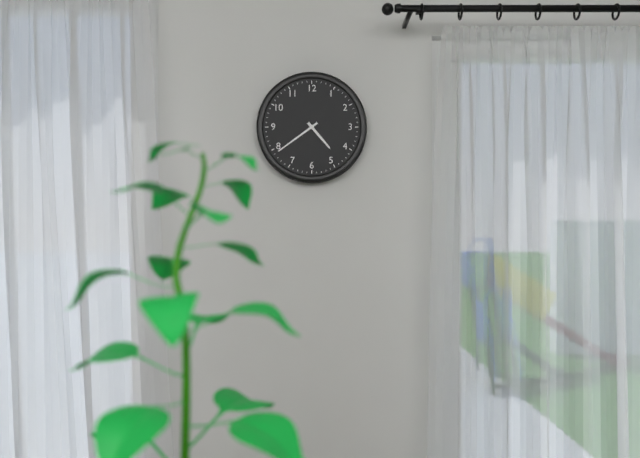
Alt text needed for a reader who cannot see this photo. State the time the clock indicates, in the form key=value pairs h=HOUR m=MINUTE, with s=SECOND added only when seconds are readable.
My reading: h=4 m=39
